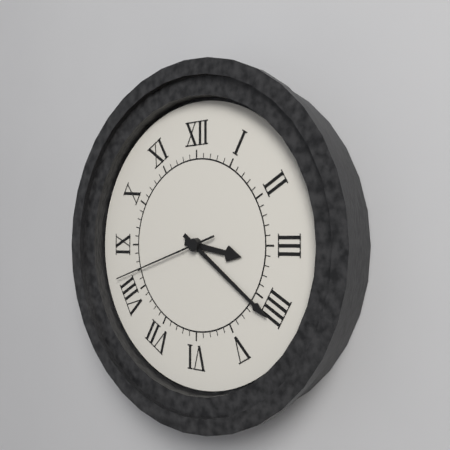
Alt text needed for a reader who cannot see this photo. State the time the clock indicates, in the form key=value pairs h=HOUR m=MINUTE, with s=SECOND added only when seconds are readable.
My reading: h=3 m=21 s=42
